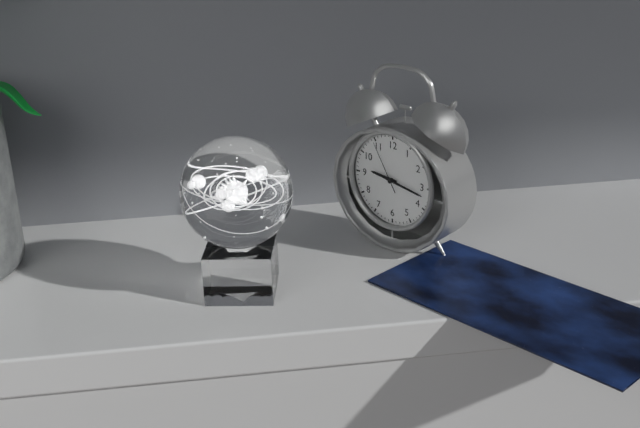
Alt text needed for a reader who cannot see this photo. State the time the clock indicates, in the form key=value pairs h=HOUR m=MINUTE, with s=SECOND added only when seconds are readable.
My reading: h=9 m=17 s=55
